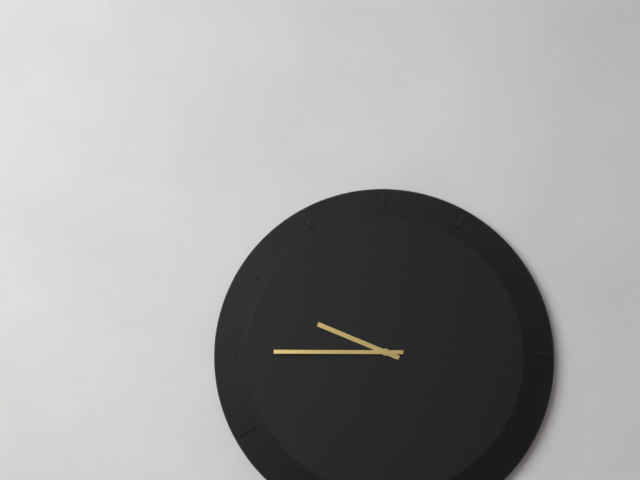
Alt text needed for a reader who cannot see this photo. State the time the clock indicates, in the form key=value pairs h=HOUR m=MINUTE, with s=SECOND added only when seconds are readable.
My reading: h=9 m=45
